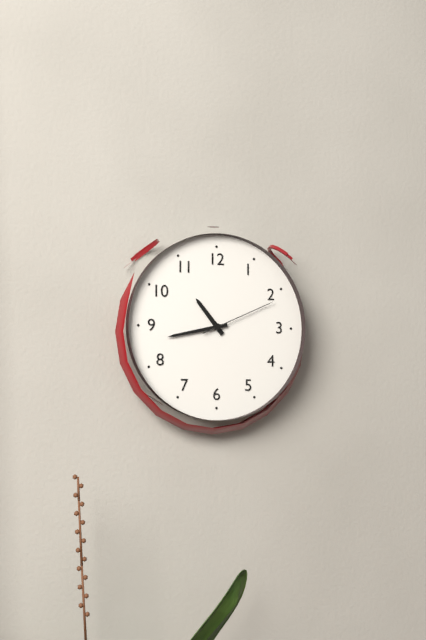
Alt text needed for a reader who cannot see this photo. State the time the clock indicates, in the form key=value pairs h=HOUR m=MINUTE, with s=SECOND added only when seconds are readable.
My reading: h=10 m=43 s=11
